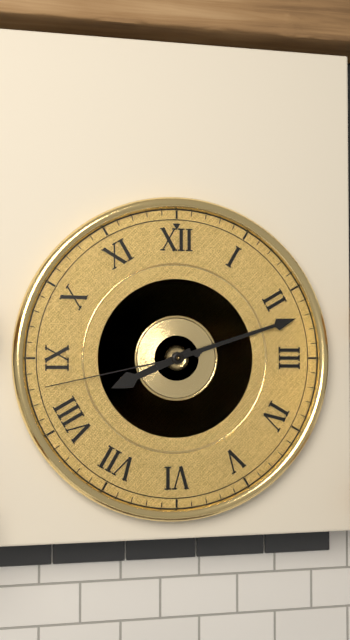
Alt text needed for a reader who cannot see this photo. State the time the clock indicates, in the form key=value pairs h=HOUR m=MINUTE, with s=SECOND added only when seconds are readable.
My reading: h=8 m=12 s=43
